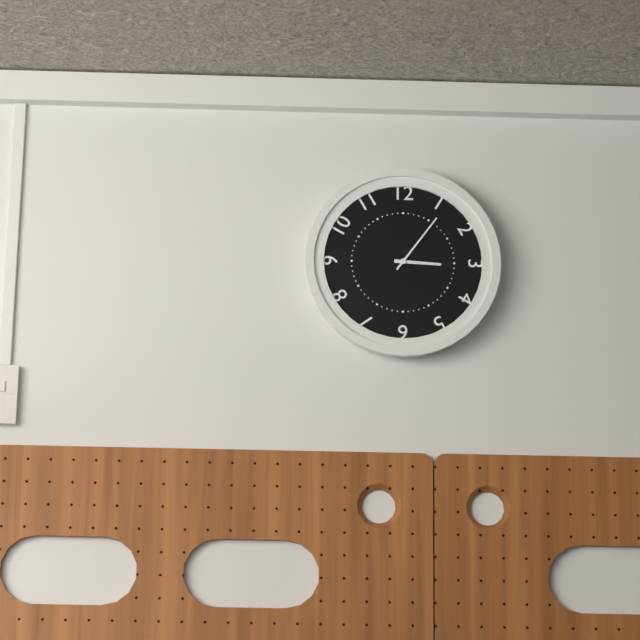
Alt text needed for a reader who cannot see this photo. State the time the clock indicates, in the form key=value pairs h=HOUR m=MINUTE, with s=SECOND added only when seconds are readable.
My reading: h=3 m=6
